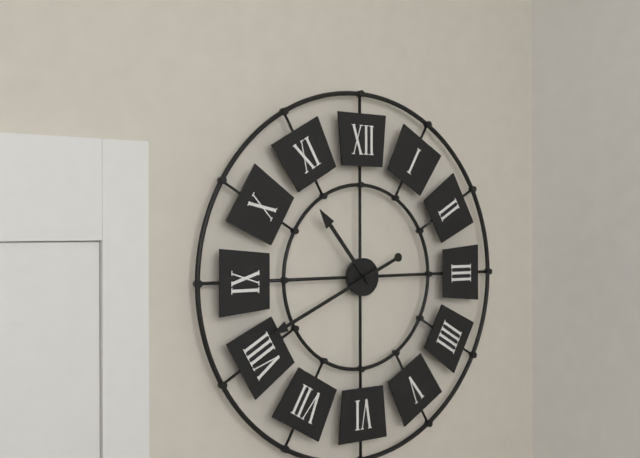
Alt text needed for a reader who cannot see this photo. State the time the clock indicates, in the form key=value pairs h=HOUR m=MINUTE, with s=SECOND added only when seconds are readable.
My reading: h=10 m=41
